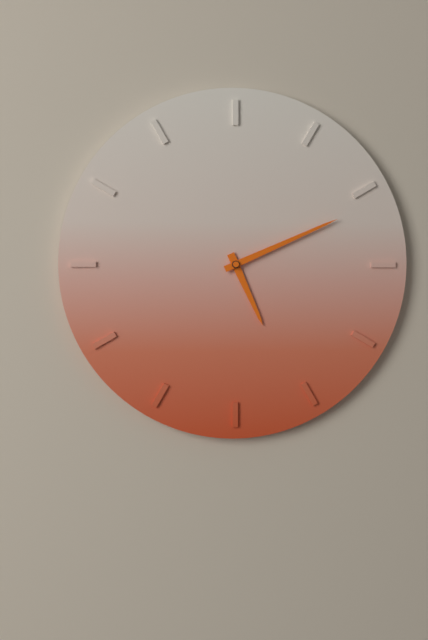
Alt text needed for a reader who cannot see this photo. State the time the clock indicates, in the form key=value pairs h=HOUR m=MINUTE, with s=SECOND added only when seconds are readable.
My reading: h=5 m=11
